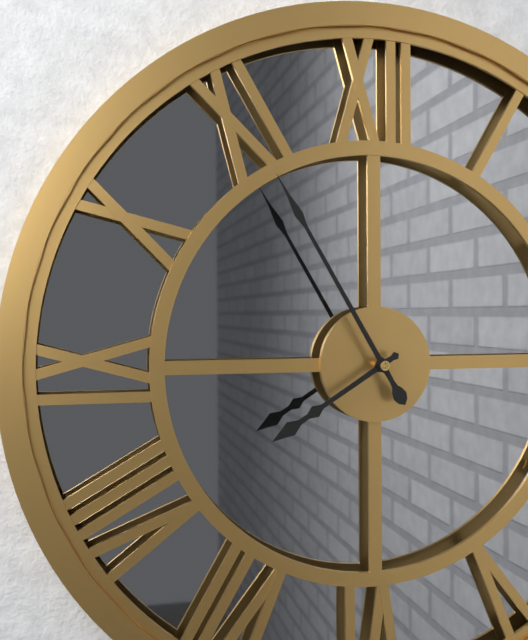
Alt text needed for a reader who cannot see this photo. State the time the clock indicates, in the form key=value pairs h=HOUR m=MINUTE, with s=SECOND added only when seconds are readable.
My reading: h=7 m=55
